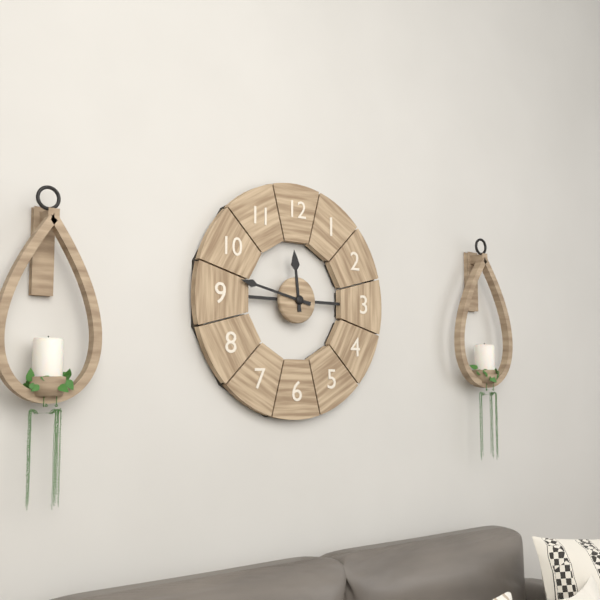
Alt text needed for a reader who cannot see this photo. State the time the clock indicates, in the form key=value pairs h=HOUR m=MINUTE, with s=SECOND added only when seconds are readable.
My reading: h=11 m=47
